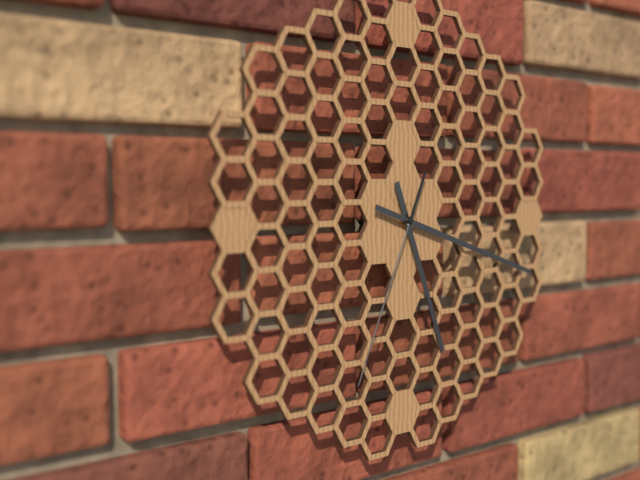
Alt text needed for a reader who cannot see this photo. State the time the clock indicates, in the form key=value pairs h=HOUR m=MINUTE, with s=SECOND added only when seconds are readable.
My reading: h=5 m=18 s=34
